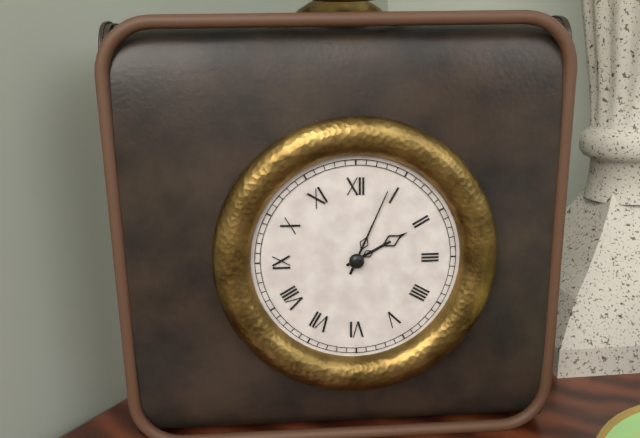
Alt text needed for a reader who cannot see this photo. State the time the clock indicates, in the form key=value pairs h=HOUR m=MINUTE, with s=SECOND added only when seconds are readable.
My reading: h=2 m=4
